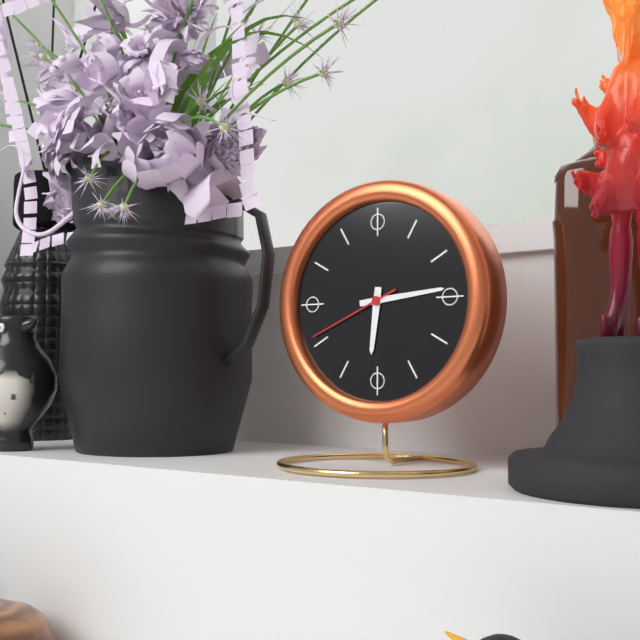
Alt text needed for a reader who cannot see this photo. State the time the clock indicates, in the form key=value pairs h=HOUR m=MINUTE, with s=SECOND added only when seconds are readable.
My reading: h=6 m=14 s=41
